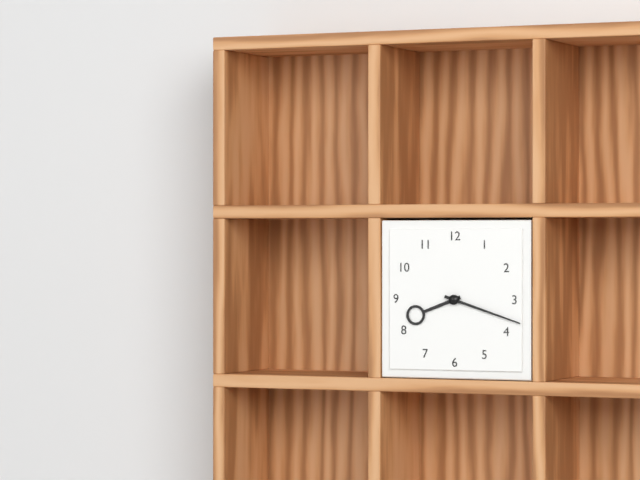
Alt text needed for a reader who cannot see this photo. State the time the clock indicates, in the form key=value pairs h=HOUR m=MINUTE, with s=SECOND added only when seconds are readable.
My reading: h=8 m=18
